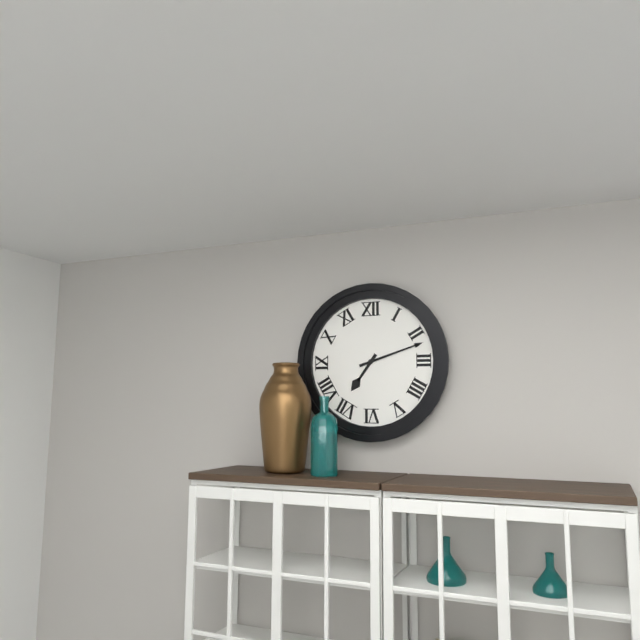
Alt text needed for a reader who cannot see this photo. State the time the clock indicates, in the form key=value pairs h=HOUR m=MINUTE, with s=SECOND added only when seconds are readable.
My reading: h=7 m=12
